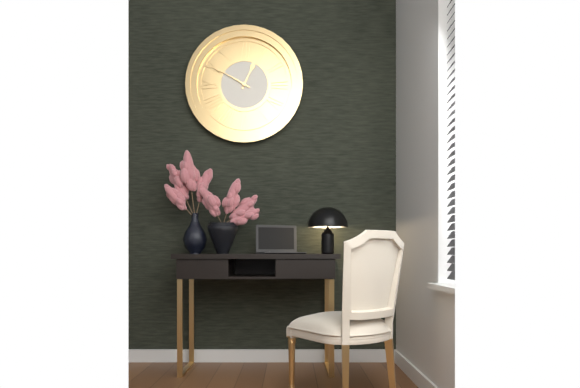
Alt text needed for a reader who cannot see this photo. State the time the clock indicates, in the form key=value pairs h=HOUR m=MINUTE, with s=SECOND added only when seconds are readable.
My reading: h=12 m=50
